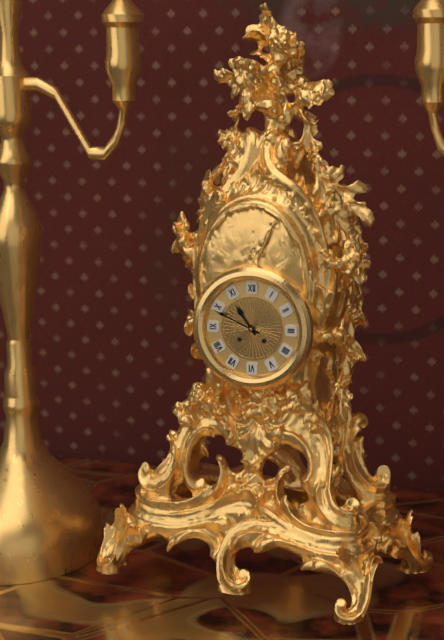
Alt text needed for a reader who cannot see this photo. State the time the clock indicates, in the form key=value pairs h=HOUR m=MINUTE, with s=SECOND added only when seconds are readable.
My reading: h=10 m=49
